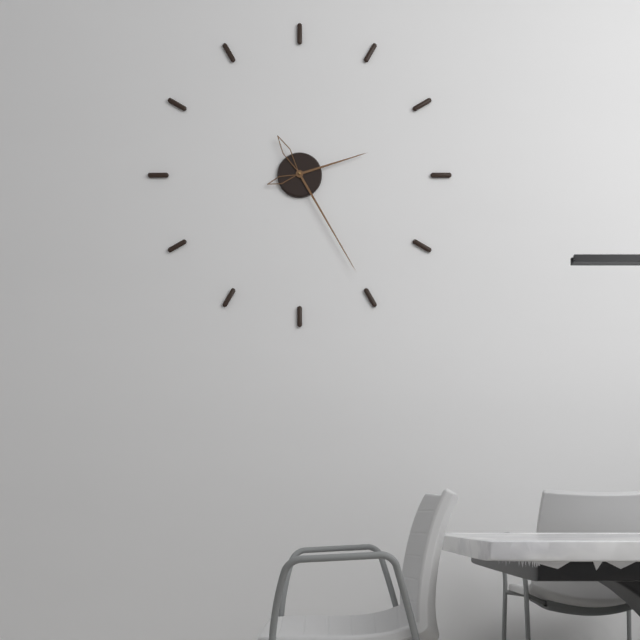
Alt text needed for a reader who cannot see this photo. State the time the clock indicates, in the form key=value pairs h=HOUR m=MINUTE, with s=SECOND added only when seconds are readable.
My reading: h=2 m=25
